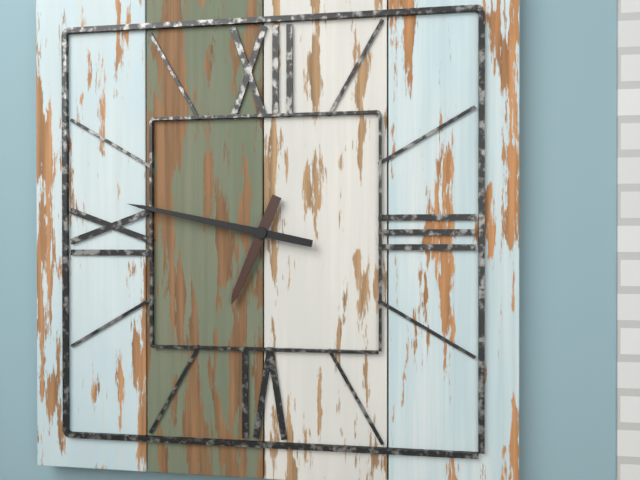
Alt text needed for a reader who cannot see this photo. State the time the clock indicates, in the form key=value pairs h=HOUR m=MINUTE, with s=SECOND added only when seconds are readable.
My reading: h=6 m=47
